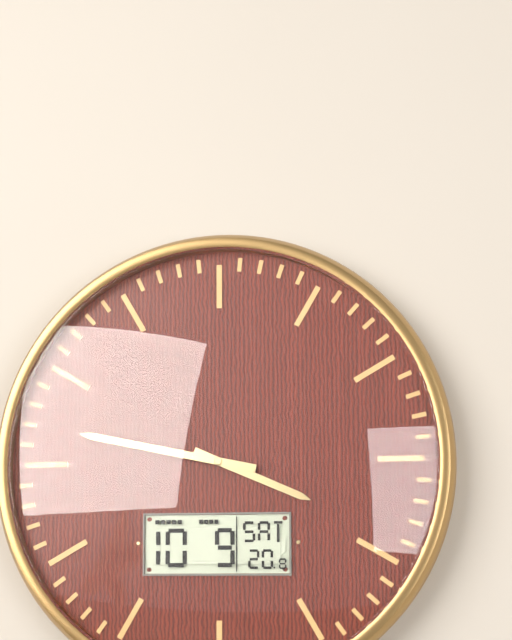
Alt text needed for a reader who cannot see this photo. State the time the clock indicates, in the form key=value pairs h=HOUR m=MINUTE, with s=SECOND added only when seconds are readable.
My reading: h=3 m=47
